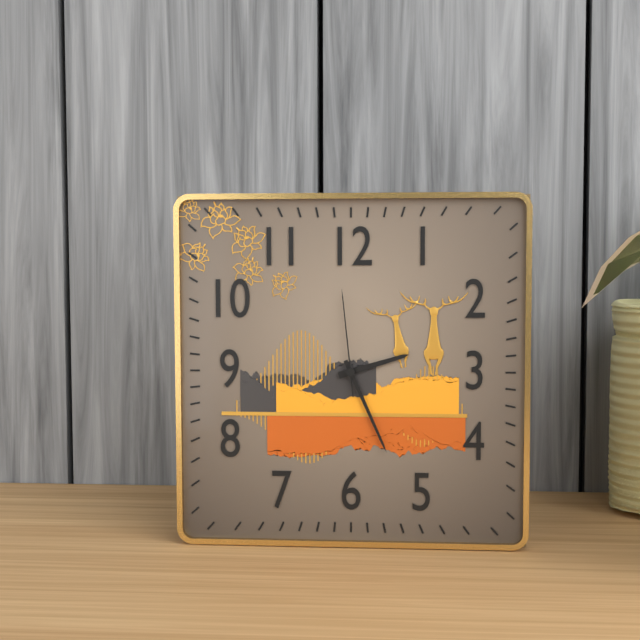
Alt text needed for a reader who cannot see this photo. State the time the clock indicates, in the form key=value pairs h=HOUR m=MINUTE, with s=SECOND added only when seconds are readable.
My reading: h=2 m=26 s=59
